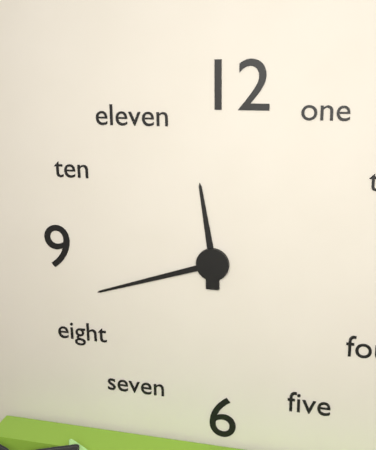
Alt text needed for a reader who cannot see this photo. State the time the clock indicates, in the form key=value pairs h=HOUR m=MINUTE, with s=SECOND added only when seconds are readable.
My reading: h=11 m=42
